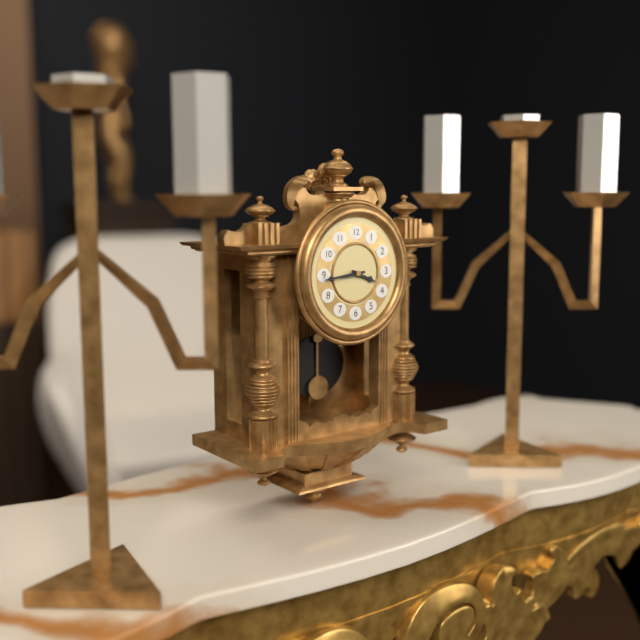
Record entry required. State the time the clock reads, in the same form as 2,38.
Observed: 3,44
